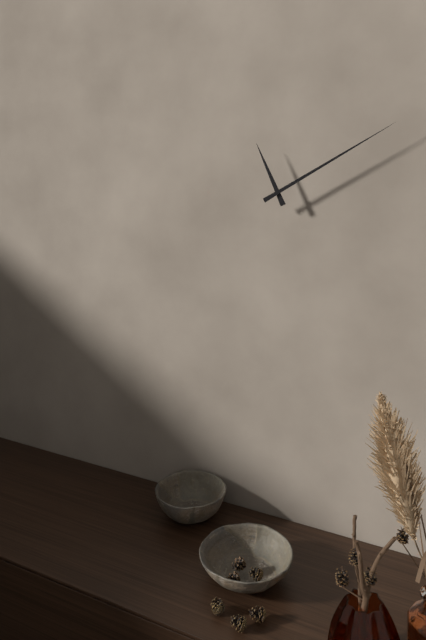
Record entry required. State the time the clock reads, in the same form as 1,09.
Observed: 11,10
